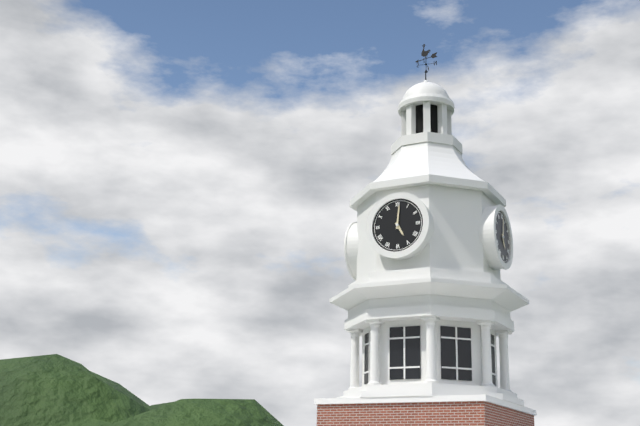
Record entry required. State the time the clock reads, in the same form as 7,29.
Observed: 5,01
